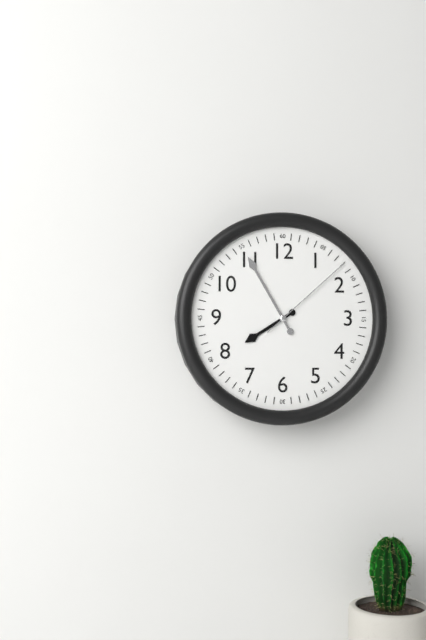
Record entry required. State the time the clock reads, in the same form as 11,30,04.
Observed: 7,55,08
